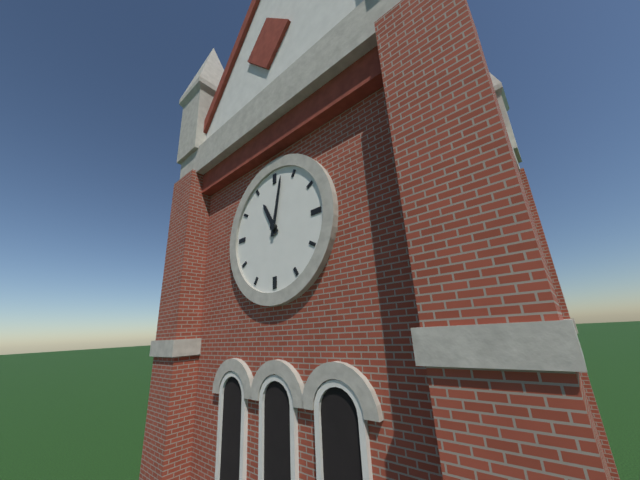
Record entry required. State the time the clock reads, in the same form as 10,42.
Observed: 11,02
